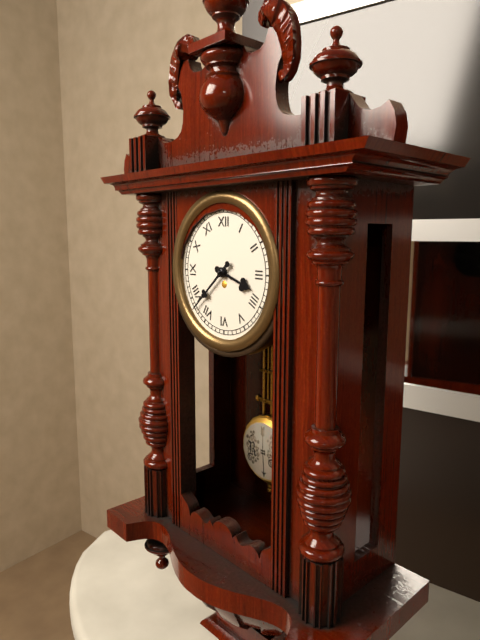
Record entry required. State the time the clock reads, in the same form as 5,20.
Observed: 3,38
